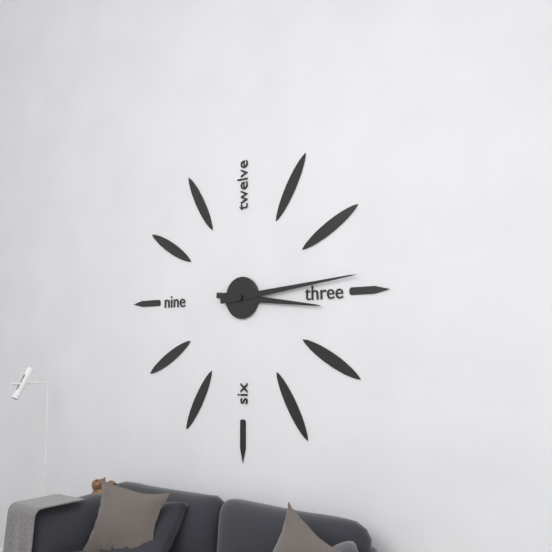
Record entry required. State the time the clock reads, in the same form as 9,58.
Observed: 3,14
